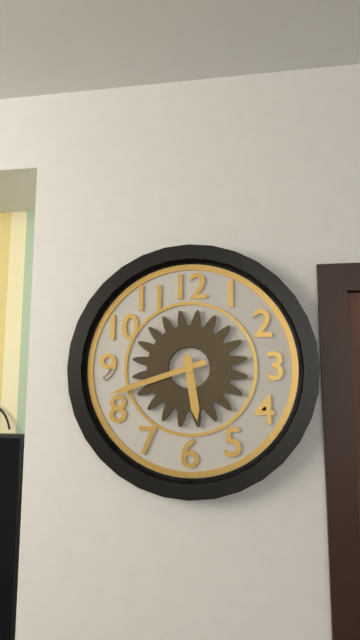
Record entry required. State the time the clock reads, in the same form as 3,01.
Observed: 5,42
